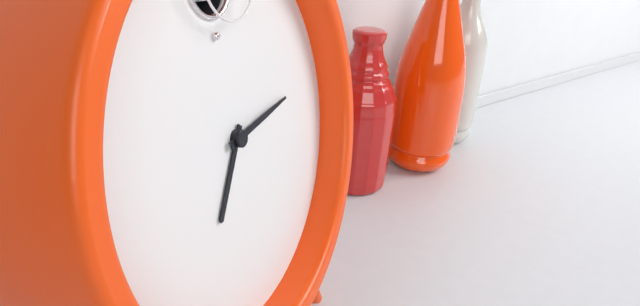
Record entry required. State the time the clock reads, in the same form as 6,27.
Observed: 7,14
